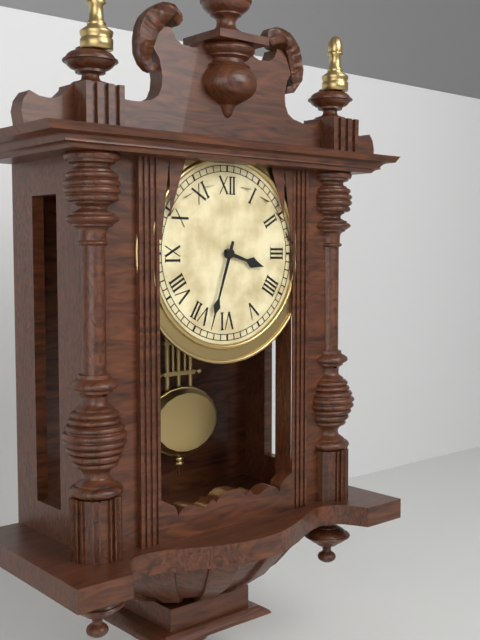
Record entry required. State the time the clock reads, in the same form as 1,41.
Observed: 3,33
